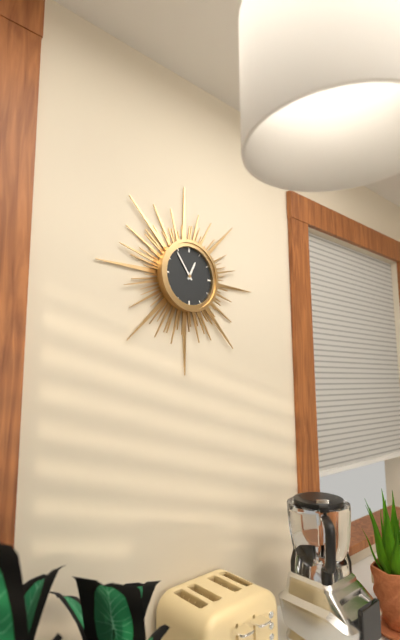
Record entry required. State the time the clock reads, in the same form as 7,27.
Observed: 12,54
